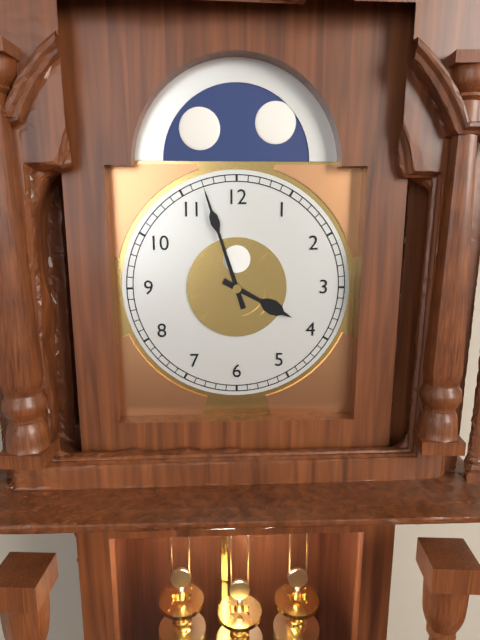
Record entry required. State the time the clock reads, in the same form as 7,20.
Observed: 3,57
